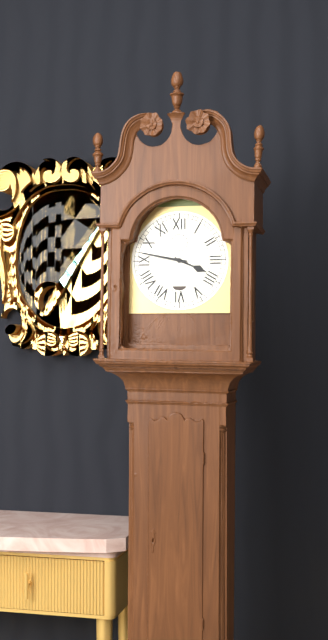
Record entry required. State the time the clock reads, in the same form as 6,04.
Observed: 3,47
